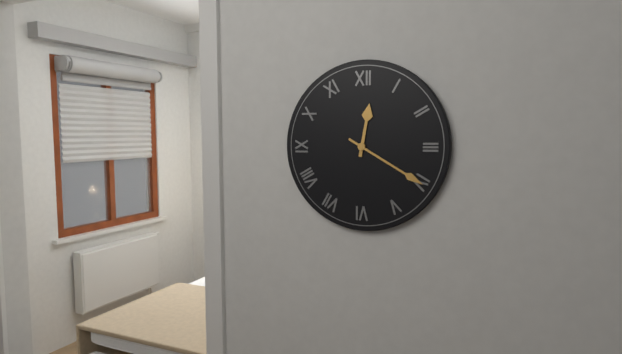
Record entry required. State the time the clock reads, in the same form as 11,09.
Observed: 12,20
